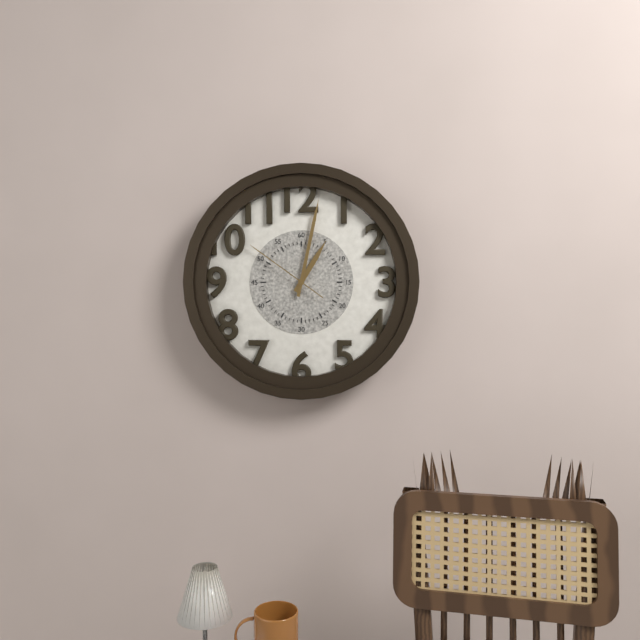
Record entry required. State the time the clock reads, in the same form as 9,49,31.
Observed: 1,02,51
